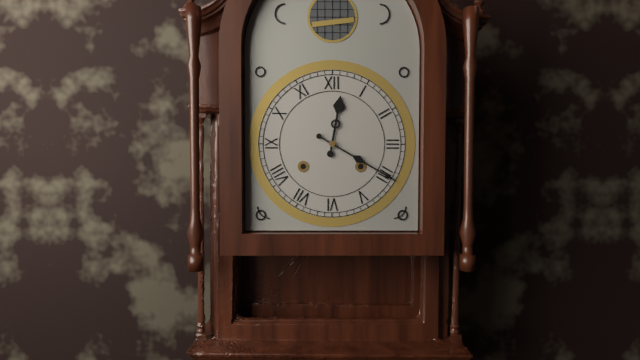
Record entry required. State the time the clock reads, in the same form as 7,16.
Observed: 12,20
